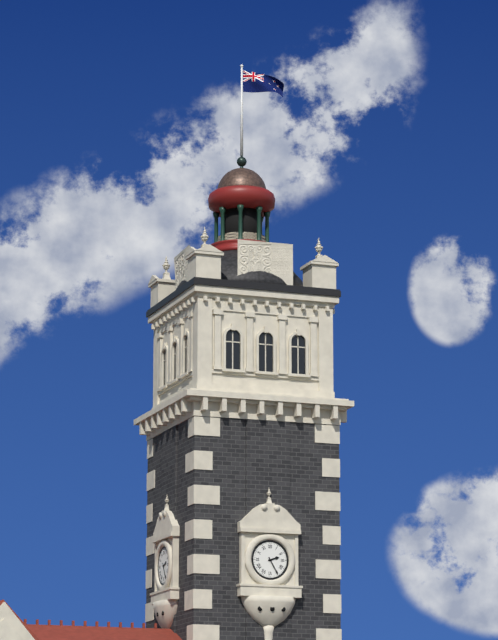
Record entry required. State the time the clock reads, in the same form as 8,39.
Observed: 2,25
